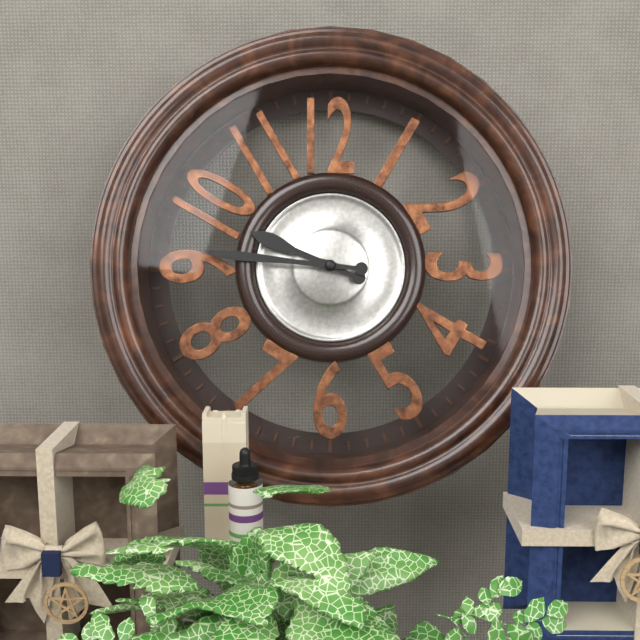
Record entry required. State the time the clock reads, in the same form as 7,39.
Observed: 9,46
